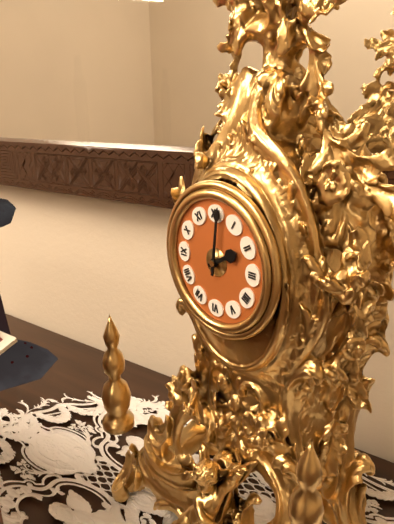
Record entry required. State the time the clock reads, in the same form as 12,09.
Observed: 2,01
